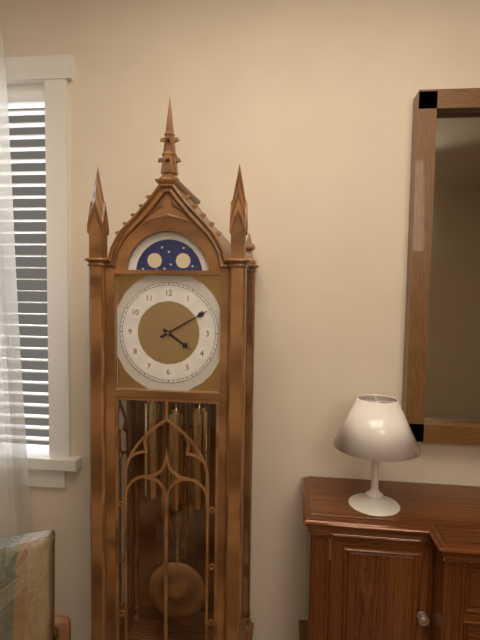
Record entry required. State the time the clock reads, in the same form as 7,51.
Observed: 4,10
